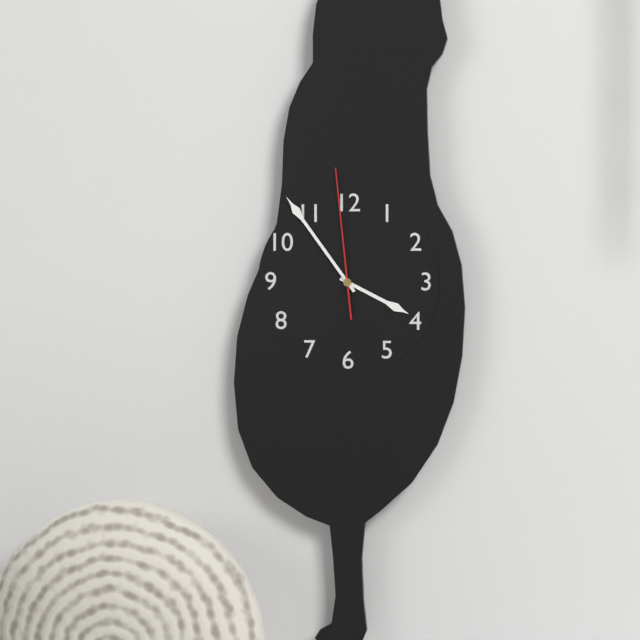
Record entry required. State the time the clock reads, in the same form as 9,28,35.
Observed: 3,54,59
